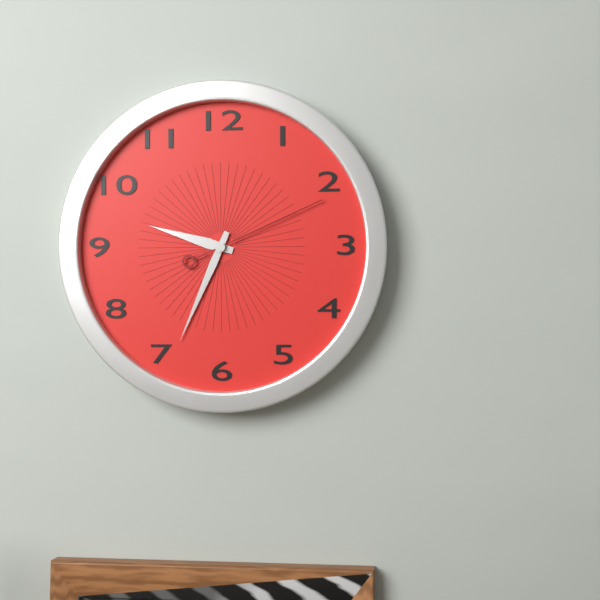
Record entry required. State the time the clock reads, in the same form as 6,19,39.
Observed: 9,34,11
